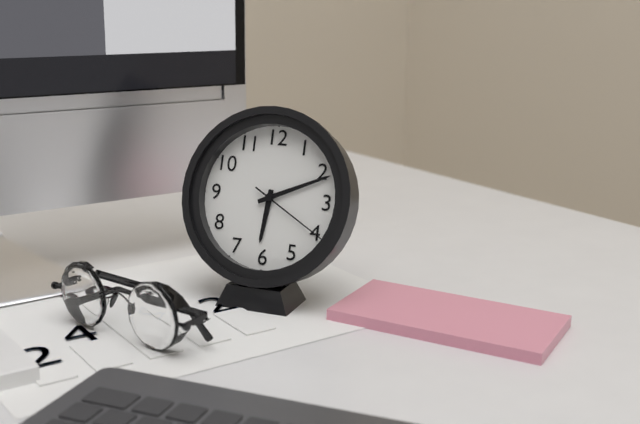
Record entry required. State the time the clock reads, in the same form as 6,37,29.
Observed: 6,11,20
